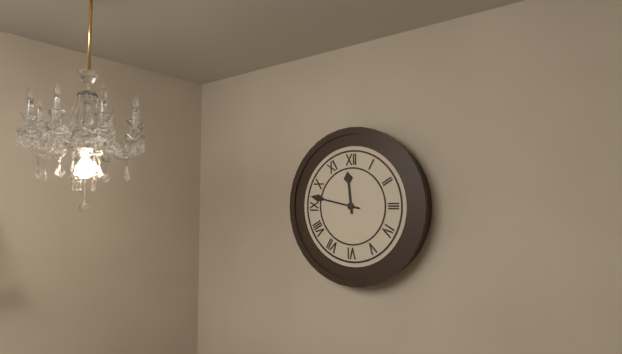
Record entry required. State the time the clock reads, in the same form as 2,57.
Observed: 11,47
